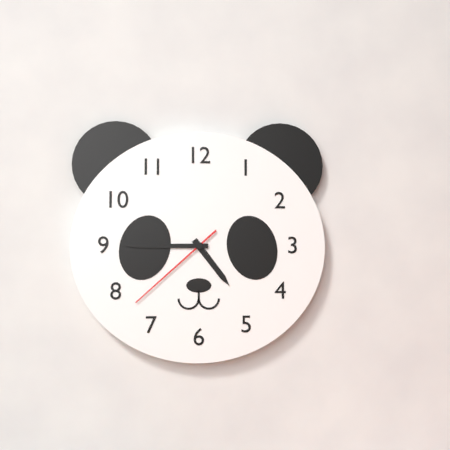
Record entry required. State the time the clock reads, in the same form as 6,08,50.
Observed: 4,45,38
